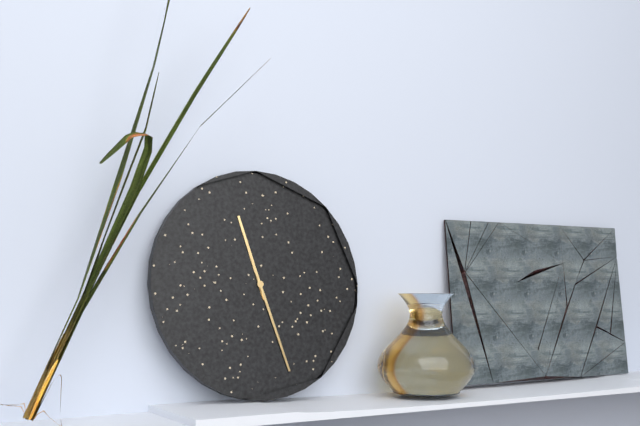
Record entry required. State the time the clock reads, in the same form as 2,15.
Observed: 11,27
